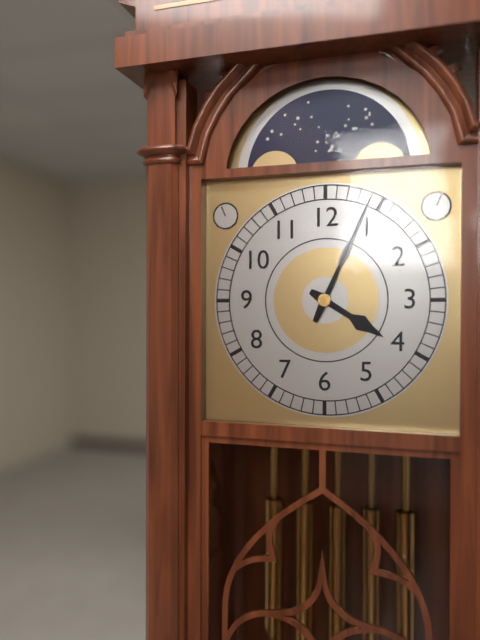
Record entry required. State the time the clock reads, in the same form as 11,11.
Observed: 4,04
